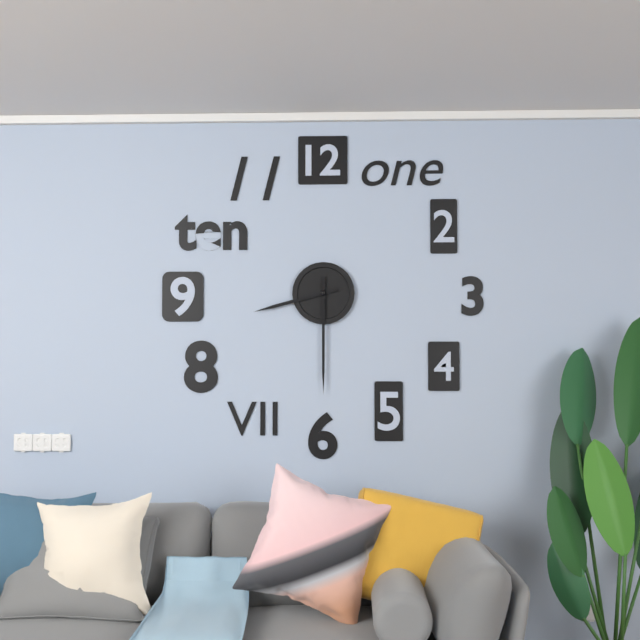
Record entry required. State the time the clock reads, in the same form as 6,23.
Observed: 8,30
